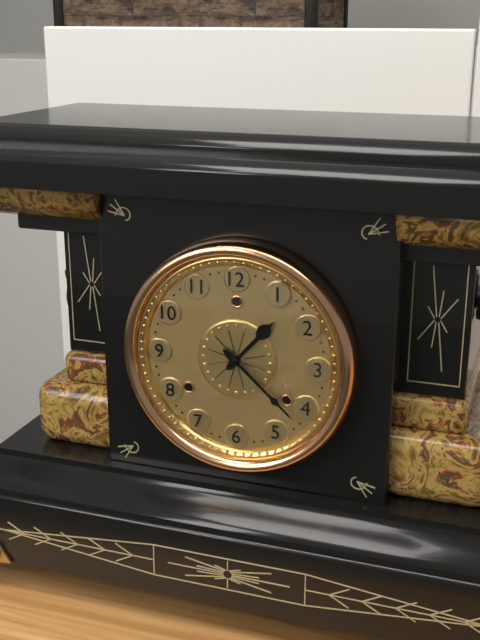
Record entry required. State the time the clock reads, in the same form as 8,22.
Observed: 1,22
